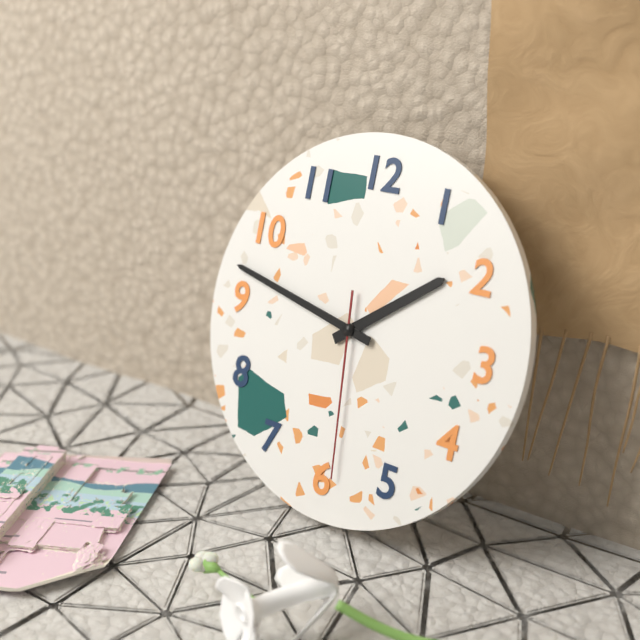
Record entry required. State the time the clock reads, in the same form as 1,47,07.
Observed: 1,47,29
